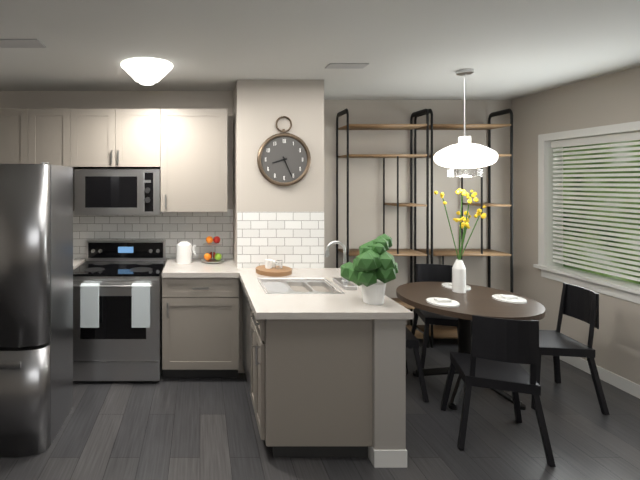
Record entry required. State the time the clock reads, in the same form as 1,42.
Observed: 8,26
